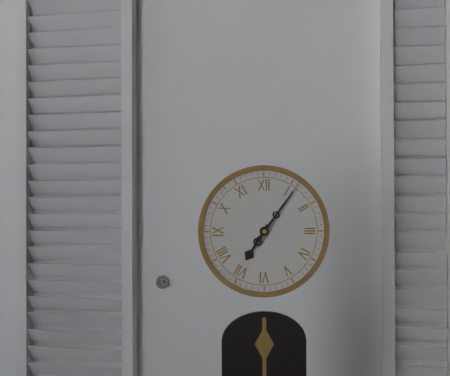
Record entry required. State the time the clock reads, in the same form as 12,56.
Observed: 7,06
